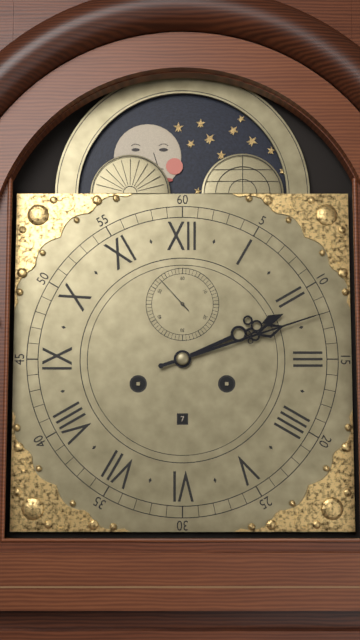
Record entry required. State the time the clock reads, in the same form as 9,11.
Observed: 2,12
